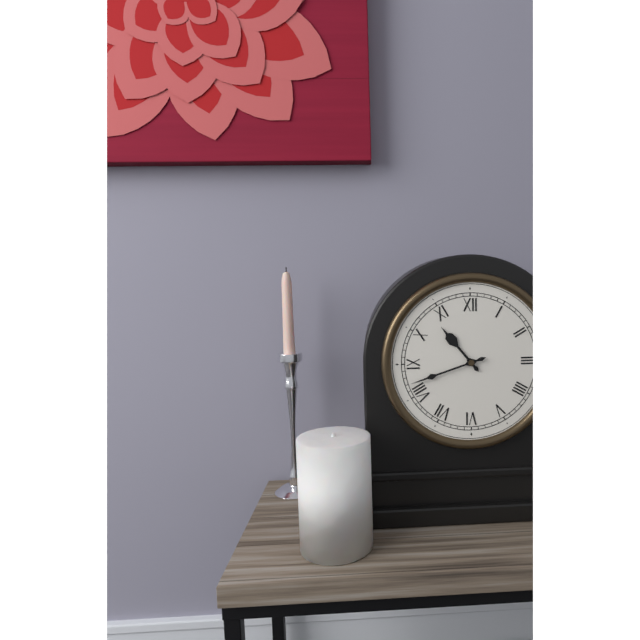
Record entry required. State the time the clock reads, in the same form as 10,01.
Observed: 10,42
